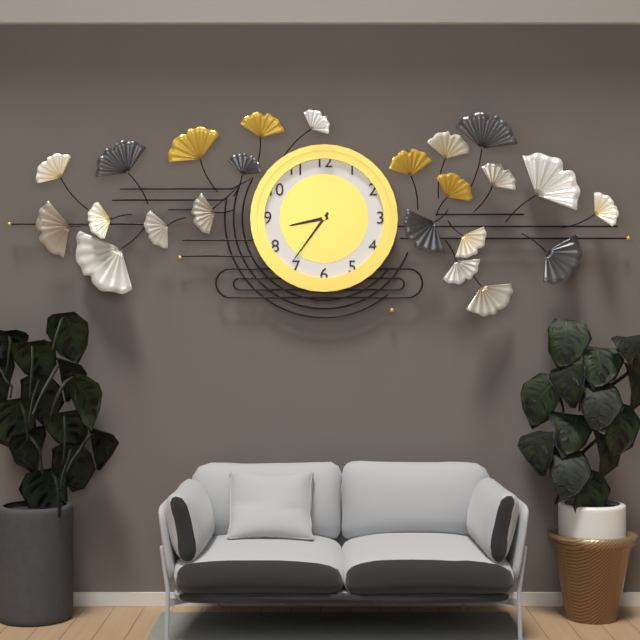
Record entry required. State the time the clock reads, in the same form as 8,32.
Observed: 8,36
